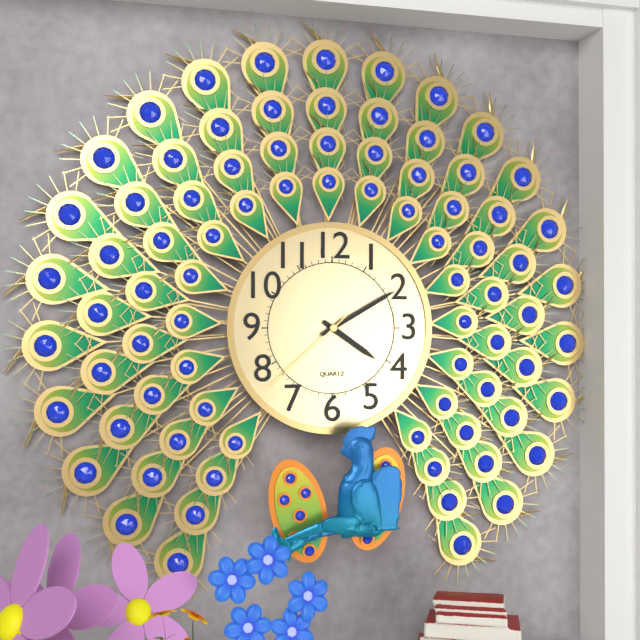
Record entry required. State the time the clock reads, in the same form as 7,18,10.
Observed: 4,10,38
